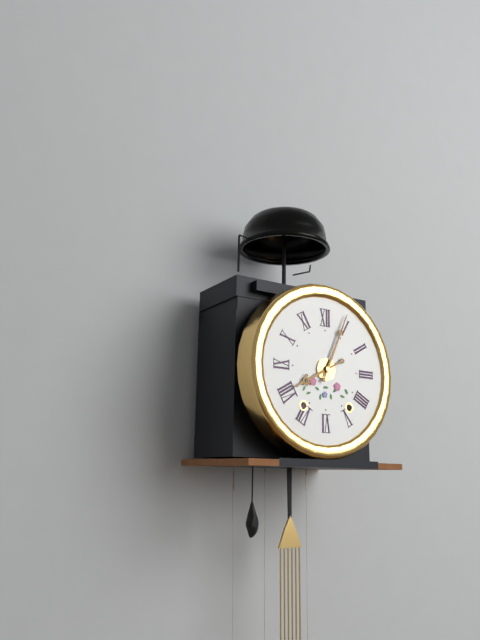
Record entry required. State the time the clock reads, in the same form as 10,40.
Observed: 8,04
